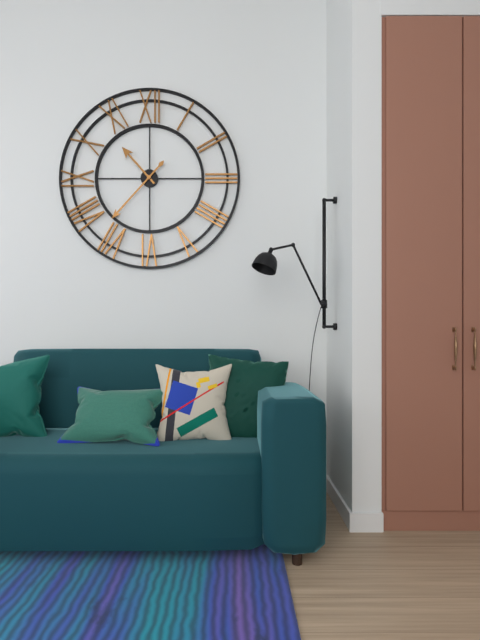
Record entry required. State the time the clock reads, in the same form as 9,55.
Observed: 10,37
